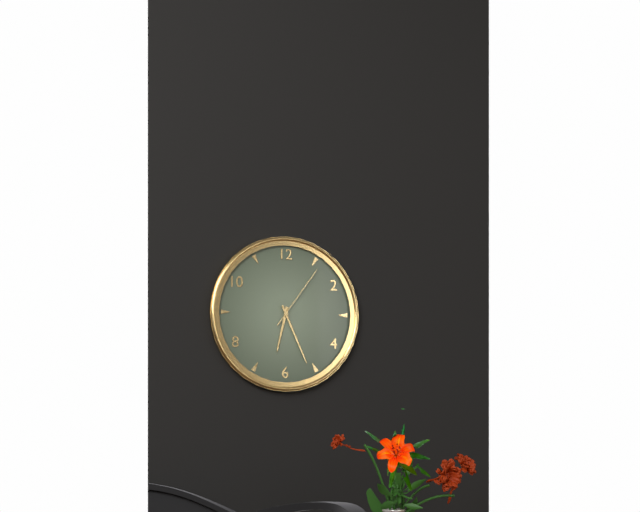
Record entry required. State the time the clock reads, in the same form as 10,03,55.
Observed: 6,26,06
